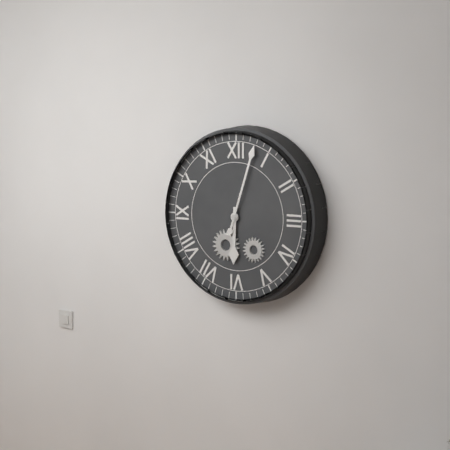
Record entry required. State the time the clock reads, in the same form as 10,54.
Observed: 6,03
